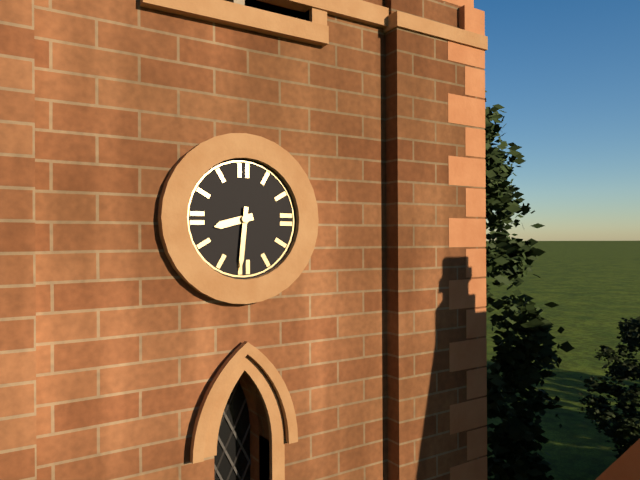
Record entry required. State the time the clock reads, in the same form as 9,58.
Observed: 8,31
